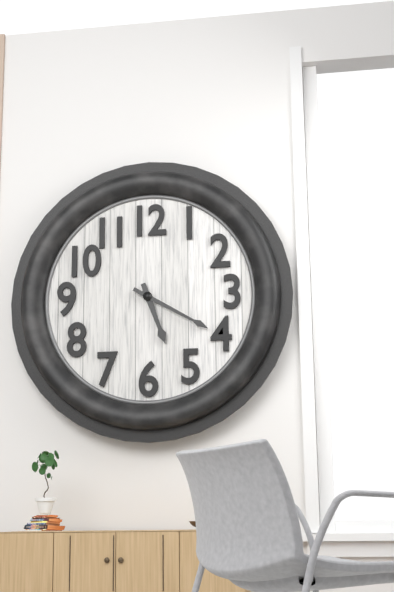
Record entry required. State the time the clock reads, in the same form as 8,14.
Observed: 5,20
